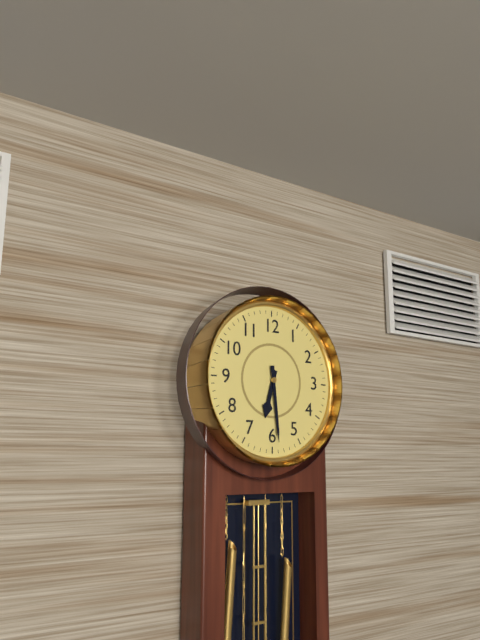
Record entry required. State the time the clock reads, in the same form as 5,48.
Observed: 6,29
